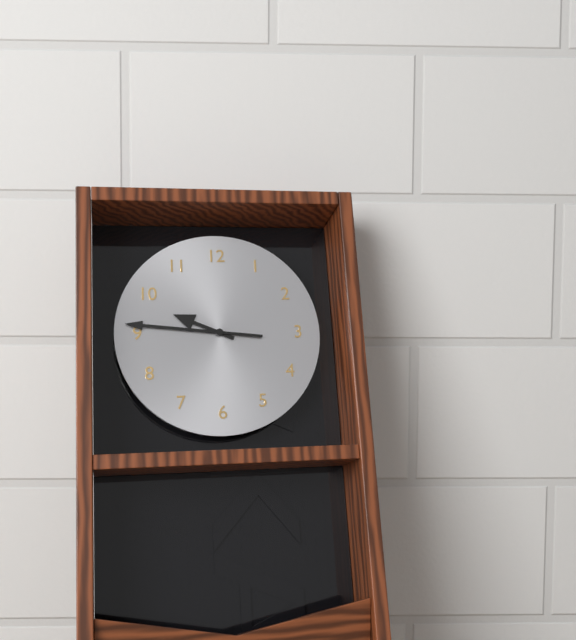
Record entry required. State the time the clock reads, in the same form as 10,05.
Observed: 9,46
